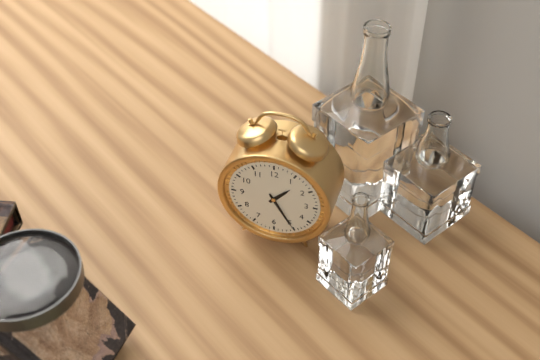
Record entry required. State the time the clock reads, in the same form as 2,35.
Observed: 1,25
